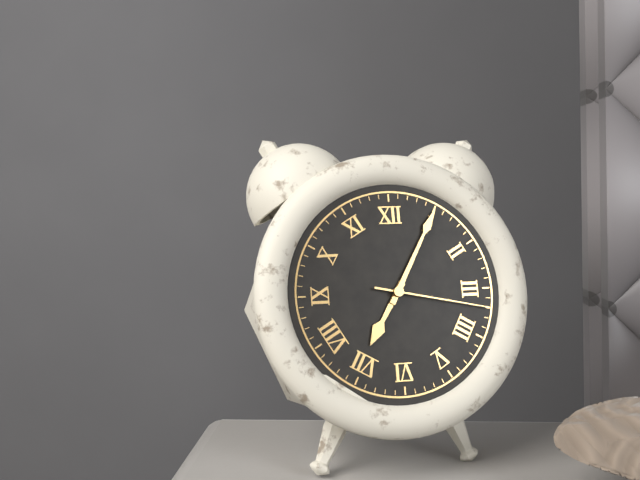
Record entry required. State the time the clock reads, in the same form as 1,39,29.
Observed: 7,05,17
